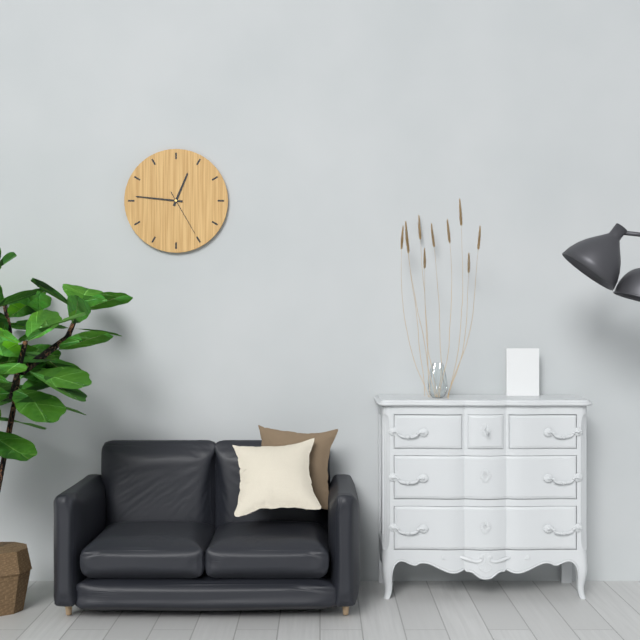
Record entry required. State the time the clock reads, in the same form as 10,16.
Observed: 12,46
